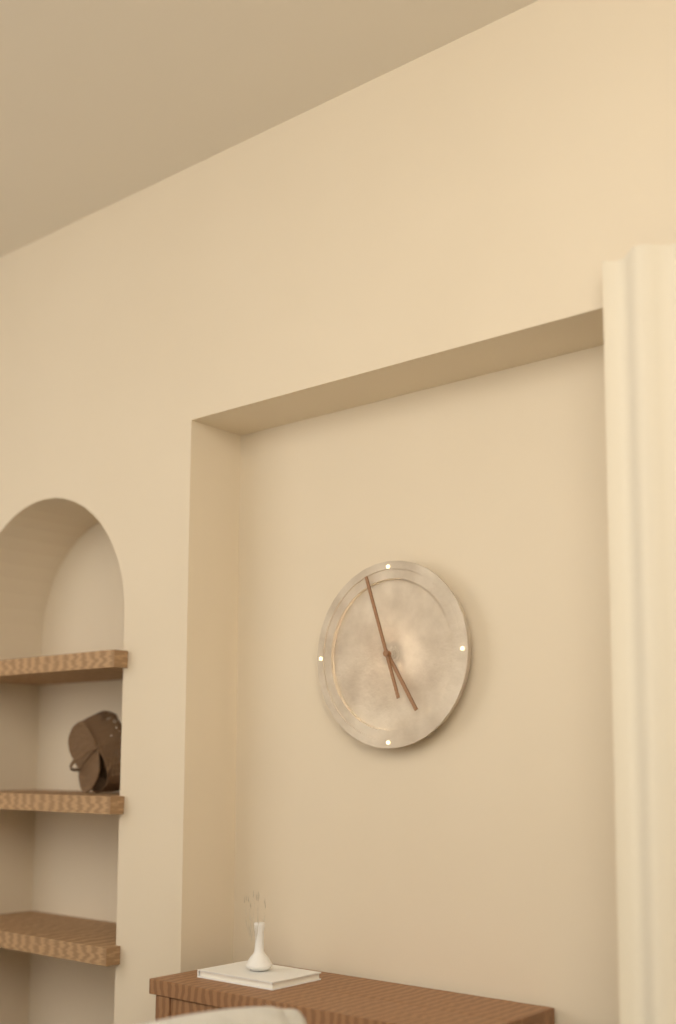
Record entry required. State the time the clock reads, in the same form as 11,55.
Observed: 4,57
